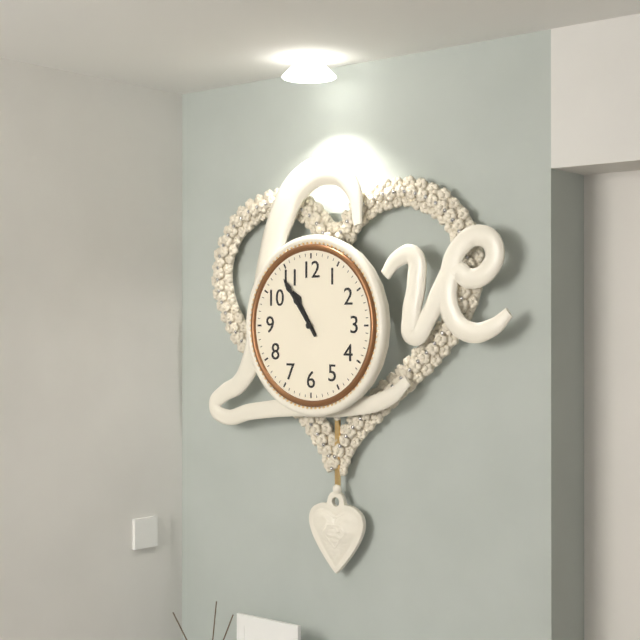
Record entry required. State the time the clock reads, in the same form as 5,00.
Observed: 10,54
